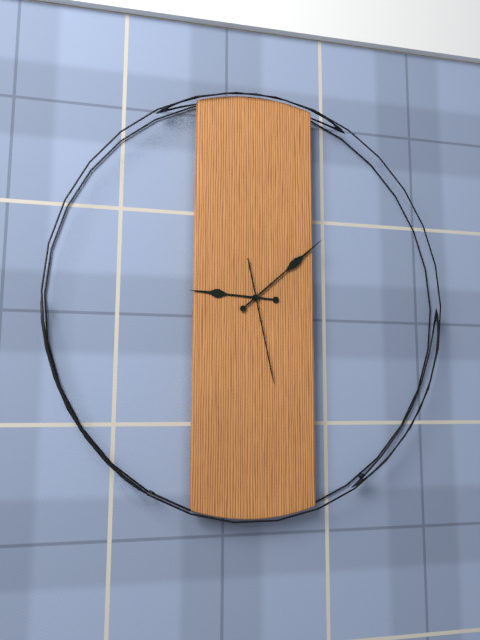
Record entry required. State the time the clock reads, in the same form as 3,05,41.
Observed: 9,08,28
